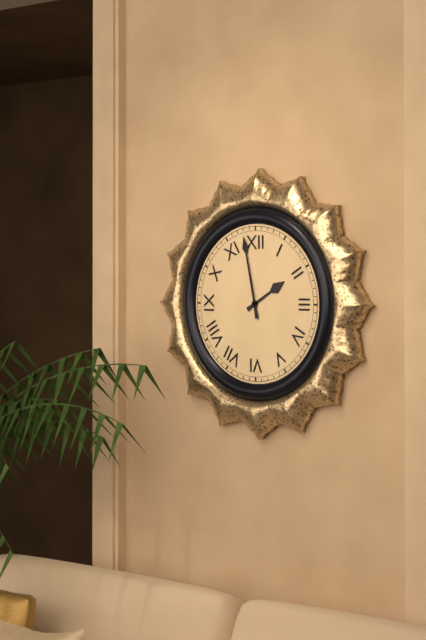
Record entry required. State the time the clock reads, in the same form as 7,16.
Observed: 1,58
